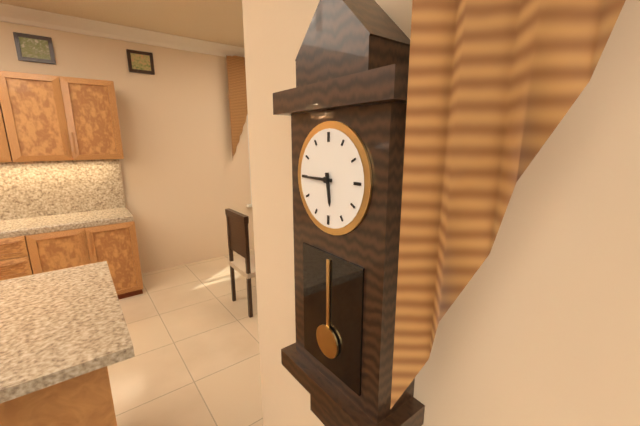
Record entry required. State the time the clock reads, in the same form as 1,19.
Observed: 5,45
